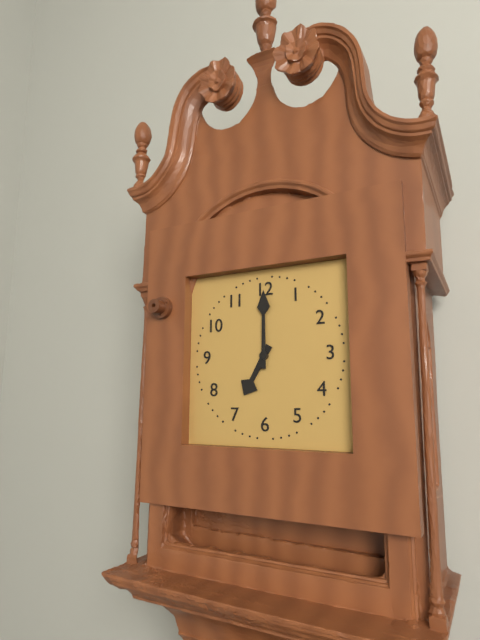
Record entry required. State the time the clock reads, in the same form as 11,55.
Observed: 7,00
